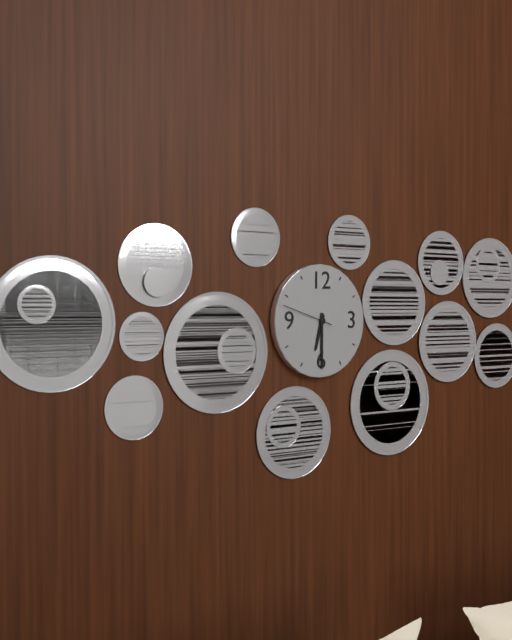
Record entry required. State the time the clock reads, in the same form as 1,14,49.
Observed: 6,30,48
